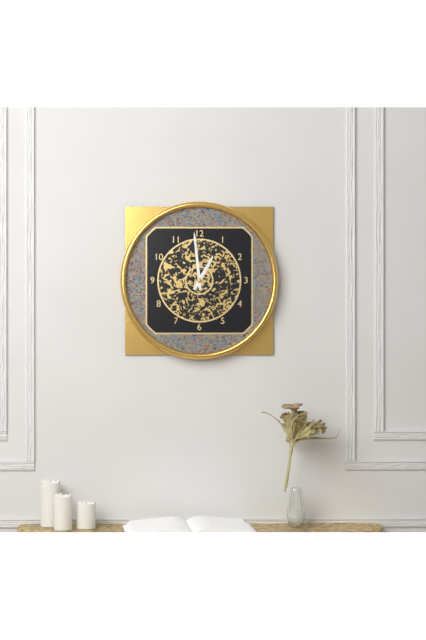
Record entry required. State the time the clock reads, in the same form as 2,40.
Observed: 12,59
